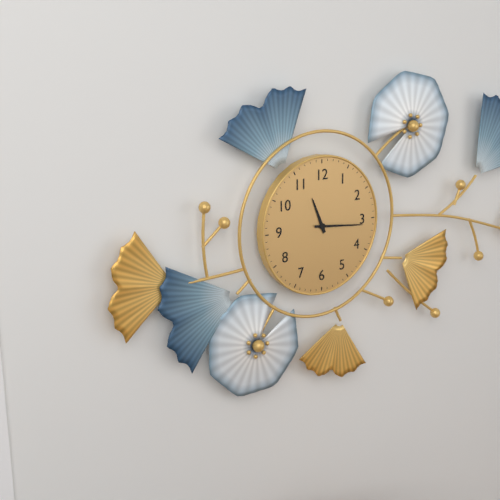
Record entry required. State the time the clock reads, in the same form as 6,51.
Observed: 11,16
